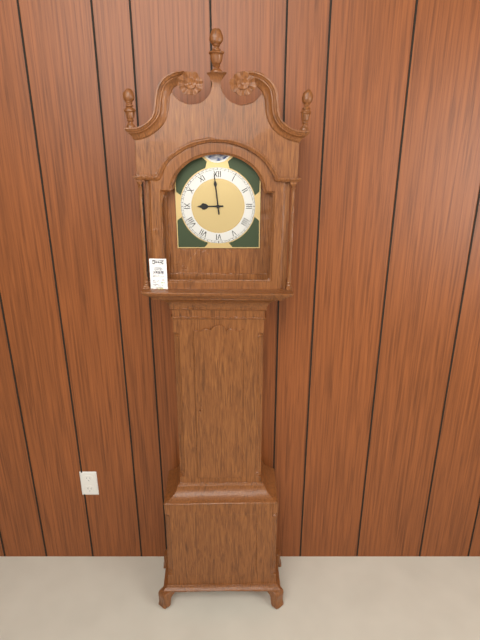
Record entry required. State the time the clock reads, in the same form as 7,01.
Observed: 8,59
